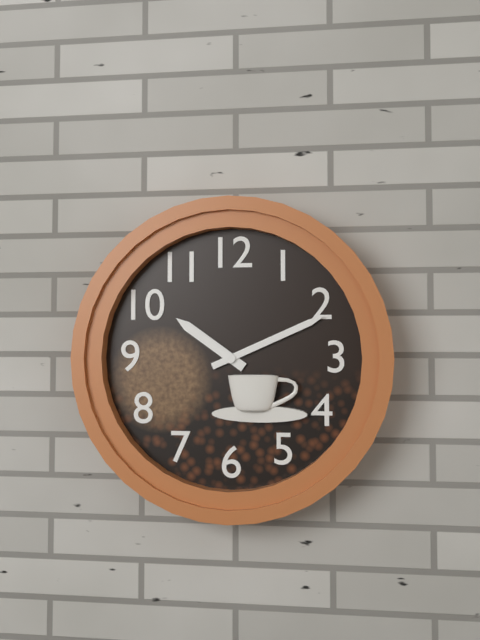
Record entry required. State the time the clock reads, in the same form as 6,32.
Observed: 10,11
